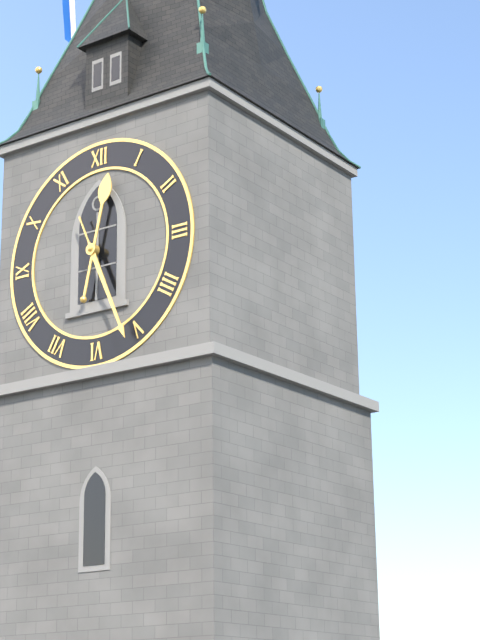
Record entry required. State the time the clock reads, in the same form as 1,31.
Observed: 12,26
